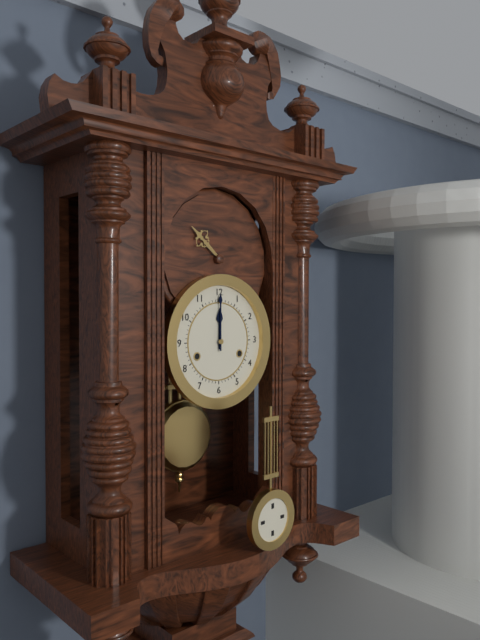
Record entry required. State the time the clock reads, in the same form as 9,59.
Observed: 12,00
